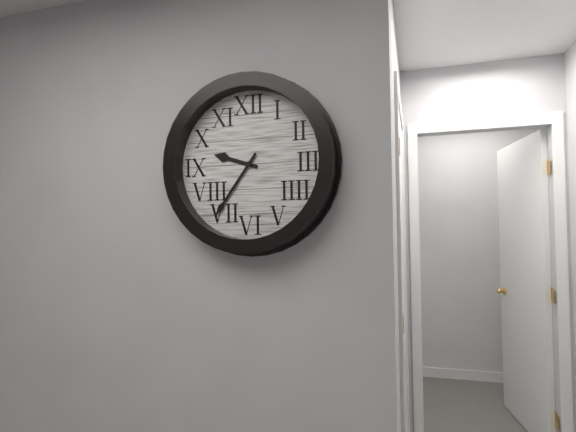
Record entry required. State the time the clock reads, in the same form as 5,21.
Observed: 9,36
